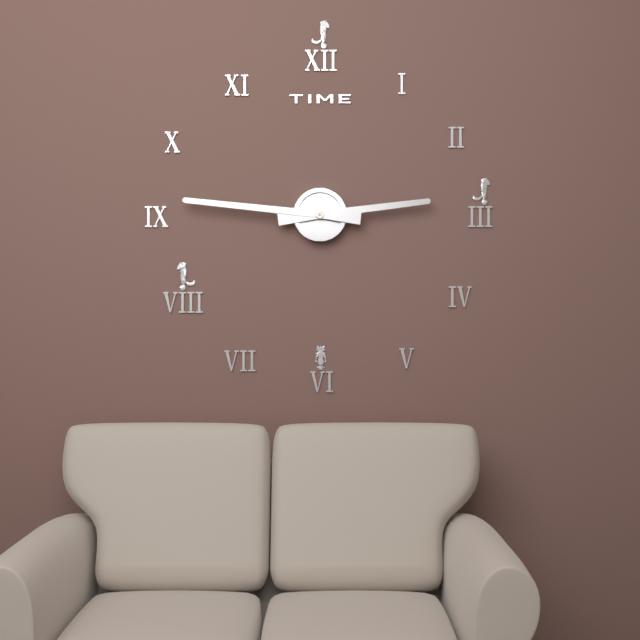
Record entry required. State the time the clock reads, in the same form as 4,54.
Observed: 2,46
